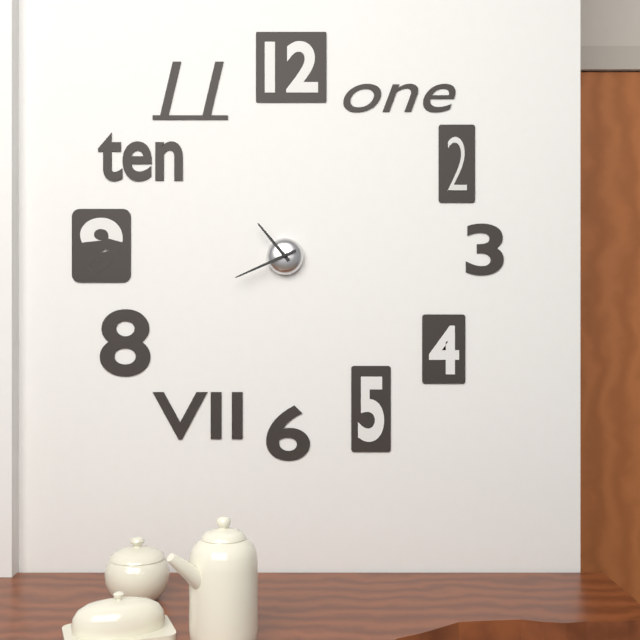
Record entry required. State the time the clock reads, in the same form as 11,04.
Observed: 10,41
